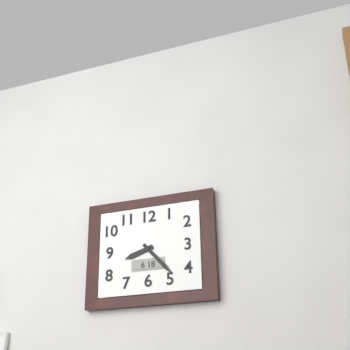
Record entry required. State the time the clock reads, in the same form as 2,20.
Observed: 8,23
